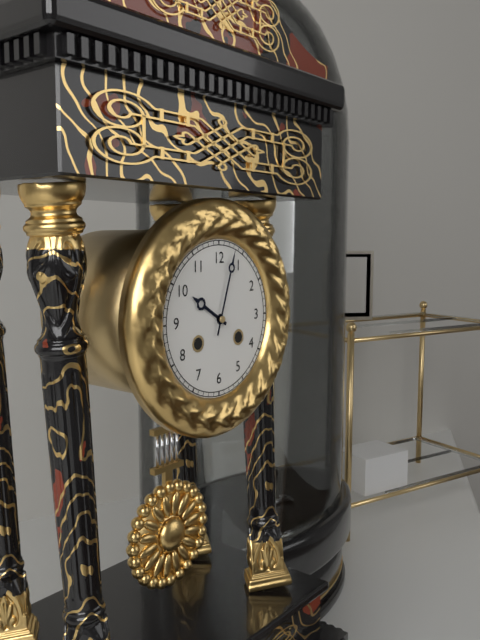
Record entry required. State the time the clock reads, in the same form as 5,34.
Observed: 10,03
